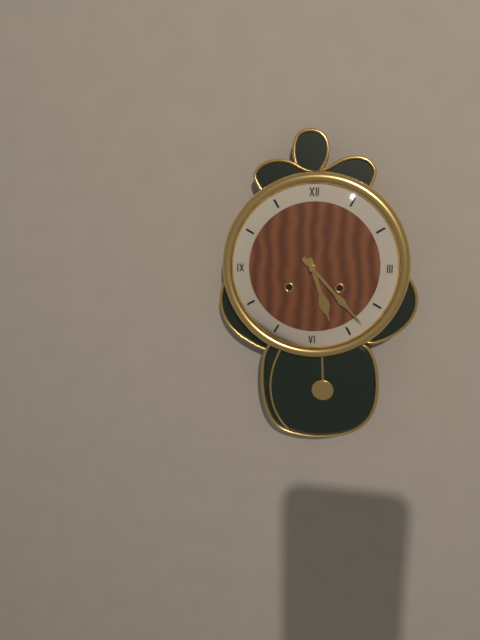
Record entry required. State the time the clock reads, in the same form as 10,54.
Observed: 5,23
